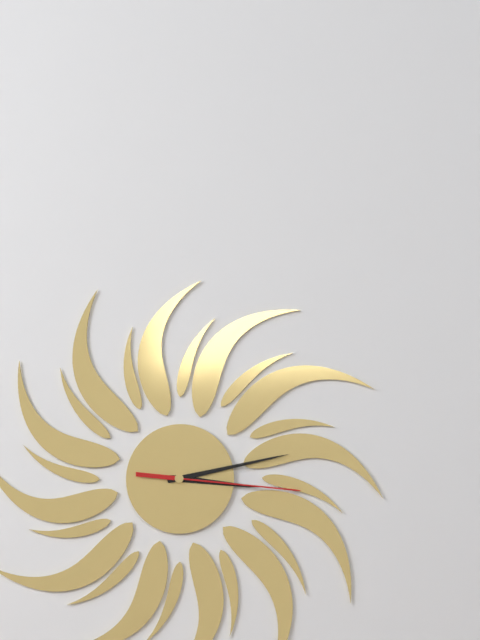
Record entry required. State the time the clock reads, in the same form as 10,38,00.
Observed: 3,13,16
